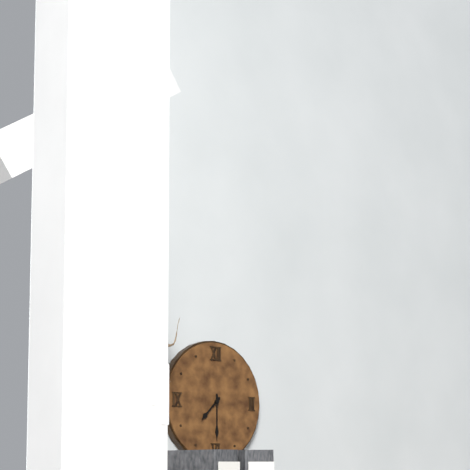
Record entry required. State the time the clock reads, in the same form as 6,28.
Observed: 7,30
